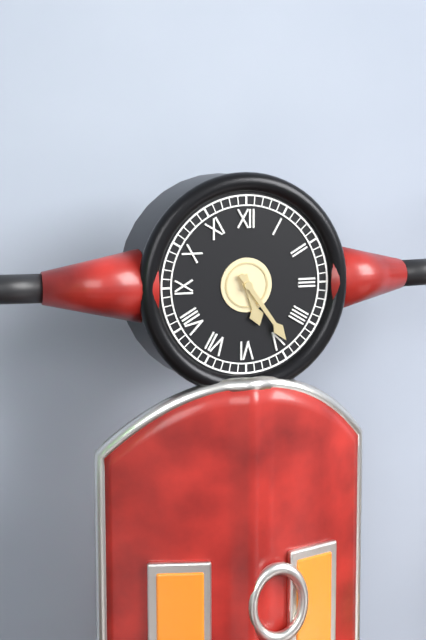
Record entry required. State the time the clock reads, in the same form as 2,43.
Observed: 5,24
